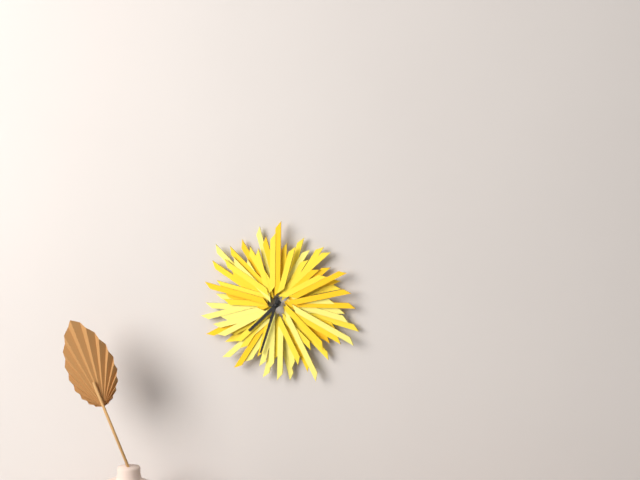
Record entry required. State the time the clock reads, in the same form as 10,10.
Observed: 7,33
